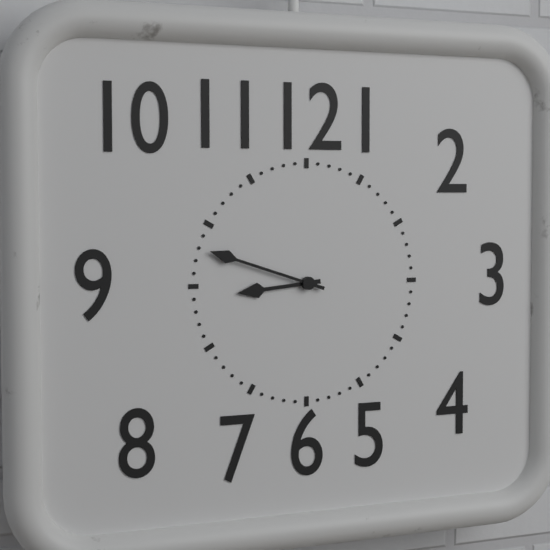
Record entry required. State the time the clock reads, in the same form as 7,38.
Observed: 8,48
